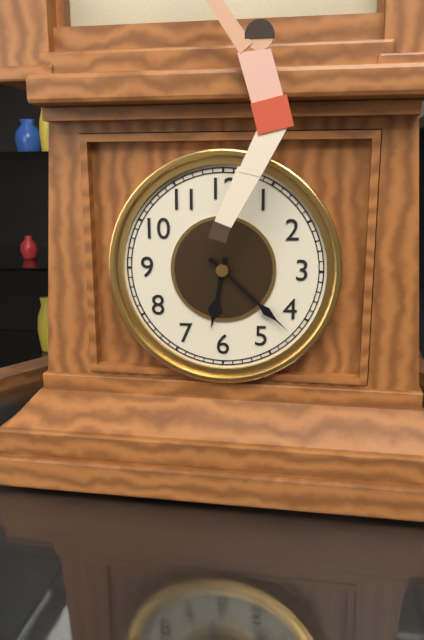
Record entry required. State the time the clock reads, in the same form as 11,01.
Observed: 6,22
